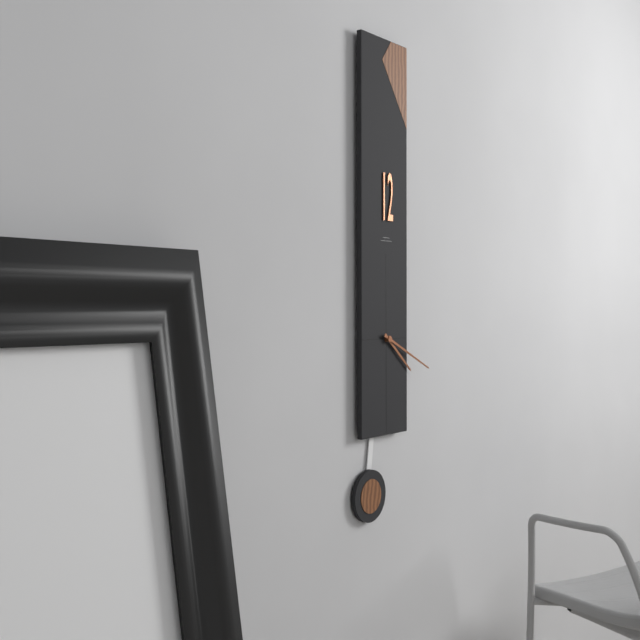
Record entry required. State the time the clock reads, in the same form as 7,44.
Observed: 4,19
